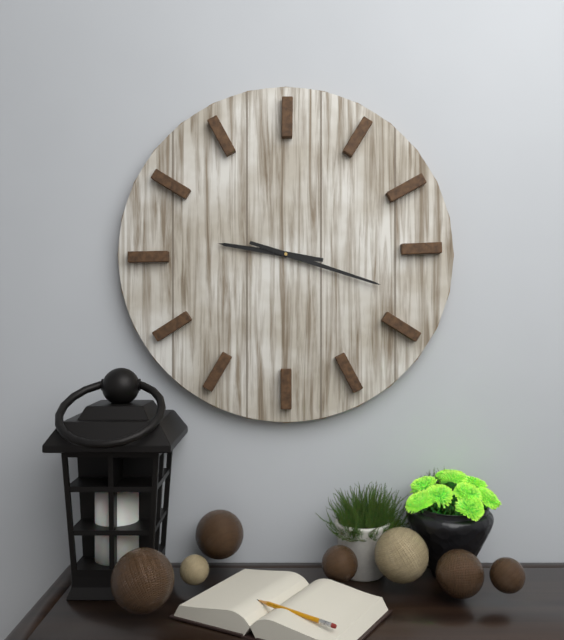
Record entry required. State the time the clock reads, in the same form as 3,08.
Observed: 9,18
